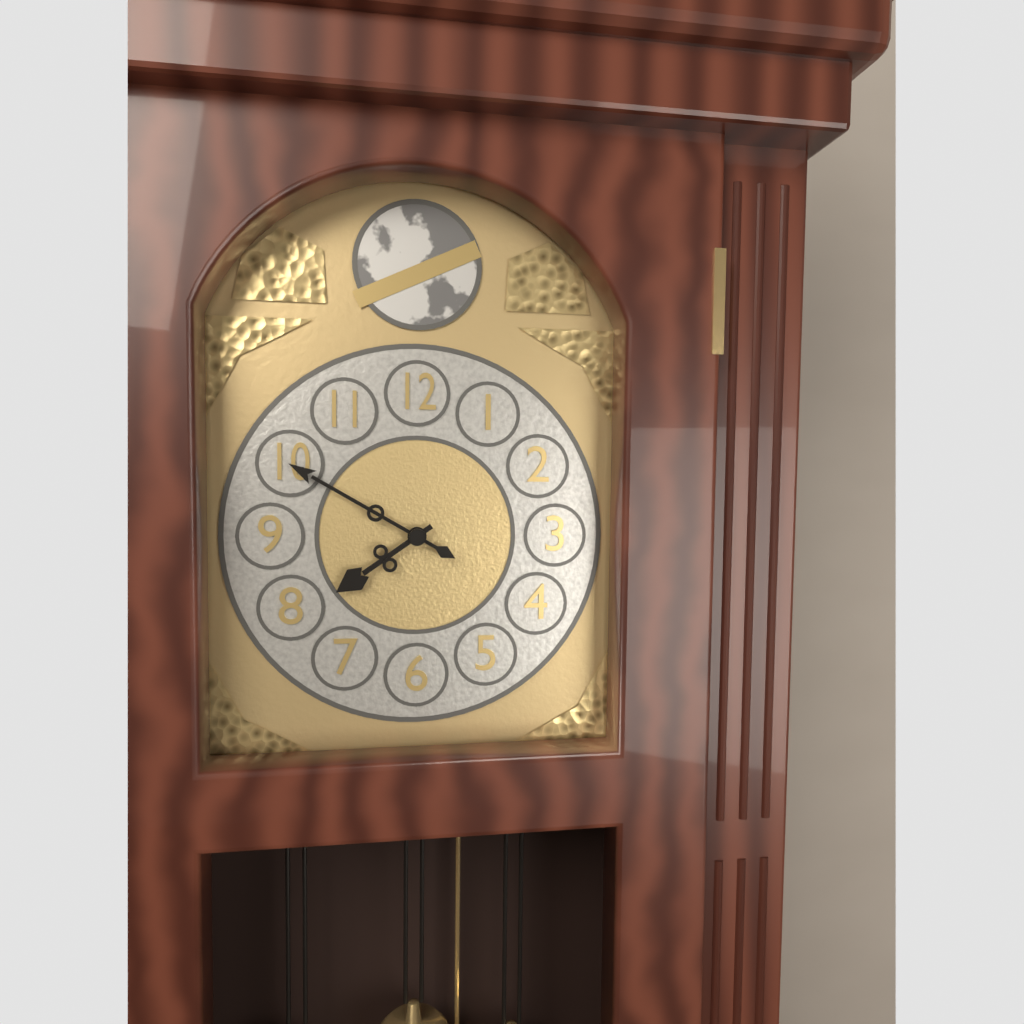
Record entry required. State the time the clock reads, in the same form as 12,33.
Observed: 7,50
